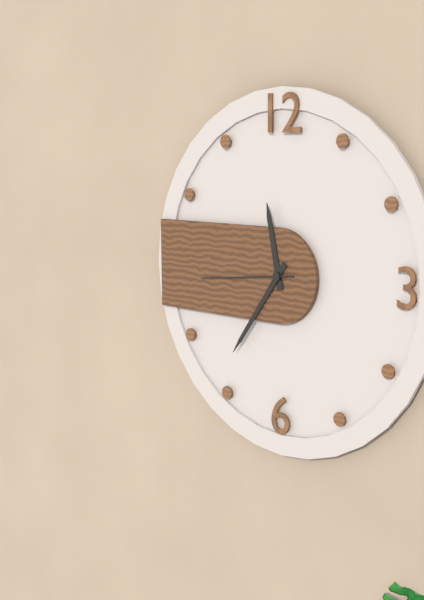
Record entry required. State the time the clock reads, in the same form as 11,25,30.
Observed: 11,36,44
